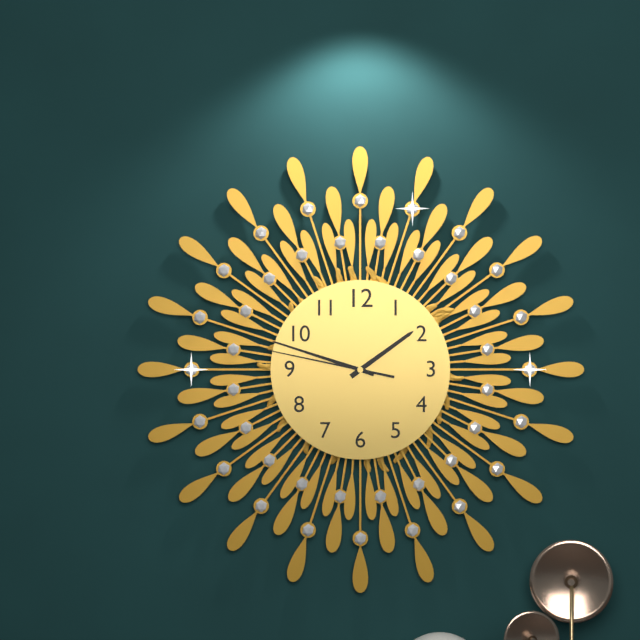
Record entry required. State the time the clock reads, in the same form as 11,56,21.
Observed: 1,48,47
